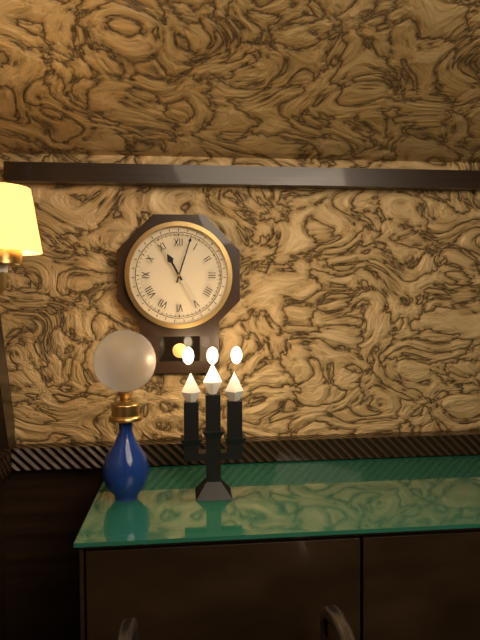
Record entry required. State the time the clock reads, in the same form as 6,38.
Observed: 11,03
